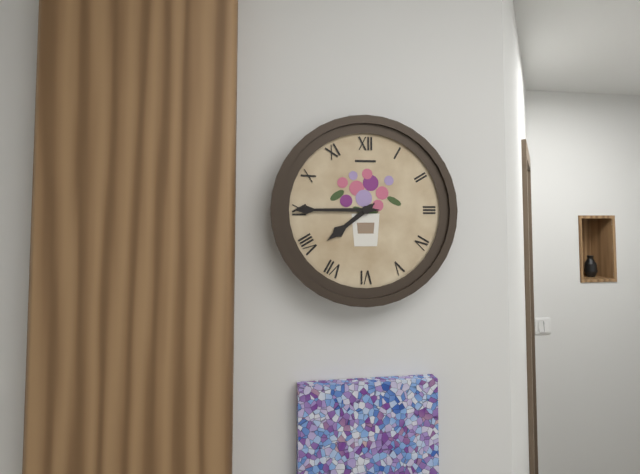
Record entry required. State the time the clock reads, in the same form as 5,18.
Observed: 7,45
